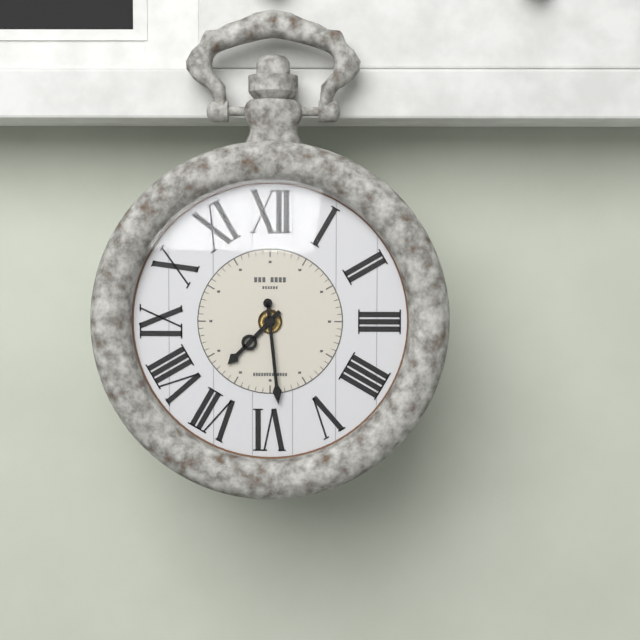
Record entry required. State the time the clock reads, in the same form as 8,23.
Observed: 7,29
